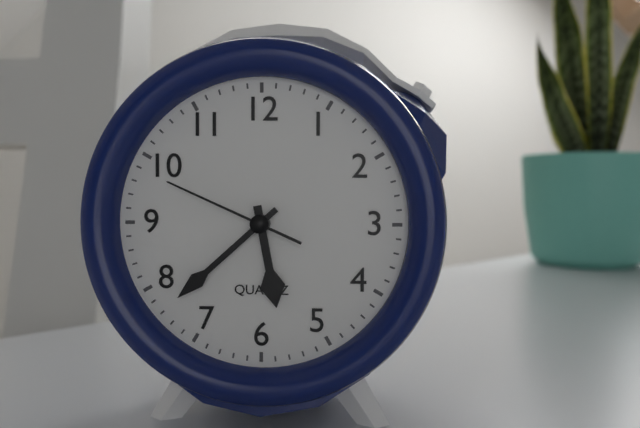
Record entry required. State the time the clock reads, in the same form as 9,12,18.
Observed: 5,38,49
